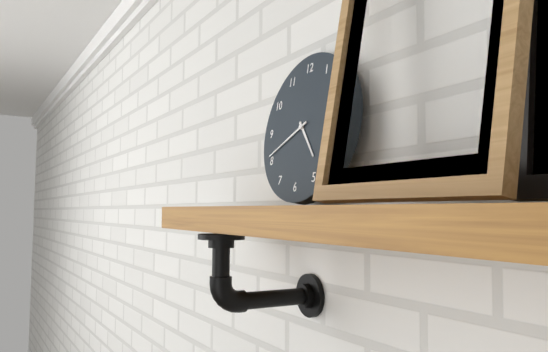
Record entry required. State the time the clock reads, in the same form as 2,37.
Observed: 4,41
